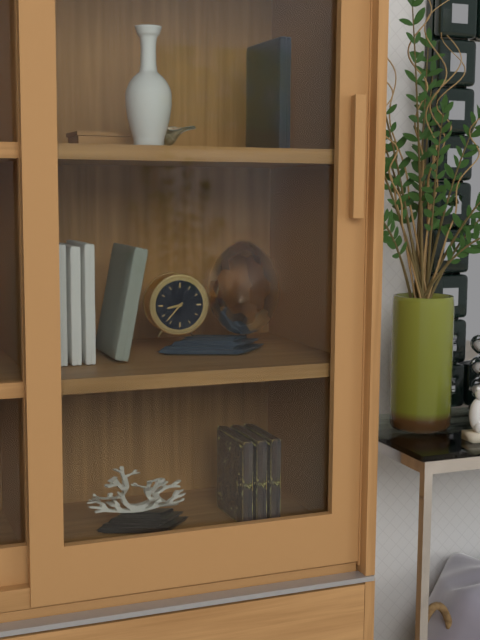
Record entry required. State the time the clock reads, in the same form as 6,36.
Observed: 8,37
